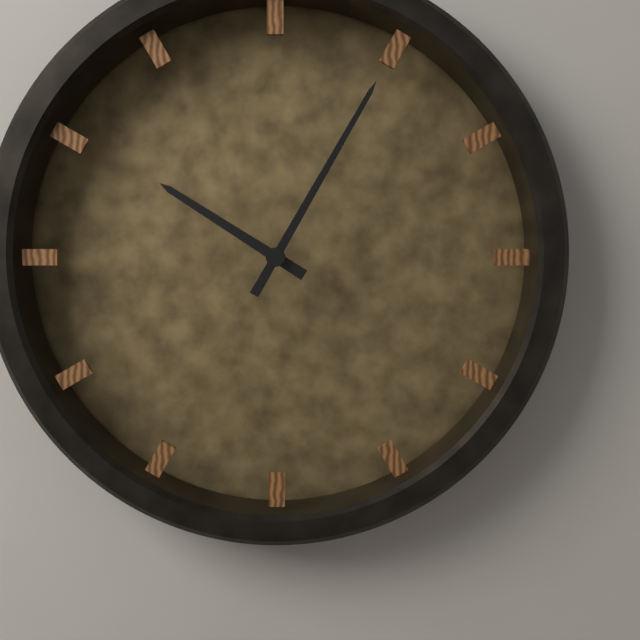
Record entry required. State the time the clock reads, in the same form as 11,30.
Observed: 10,05
